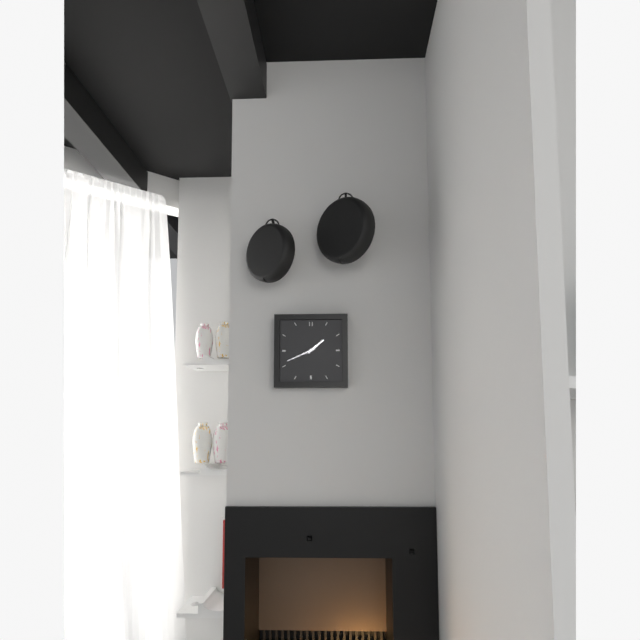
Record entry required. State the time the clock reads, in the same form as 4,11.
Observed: 1,41
